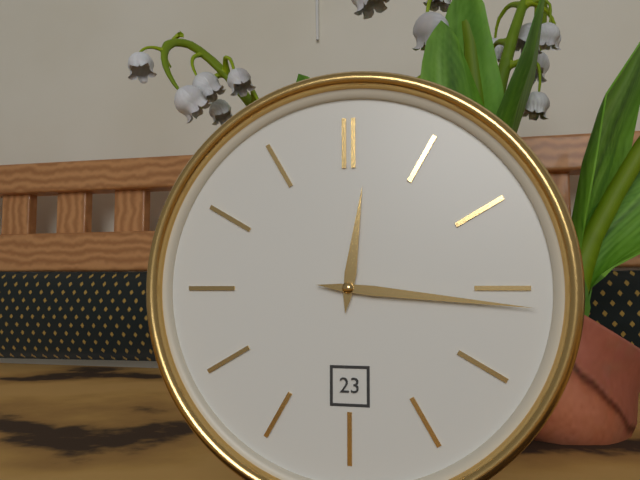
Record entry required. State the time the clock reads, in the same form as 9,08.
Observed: 12,16
